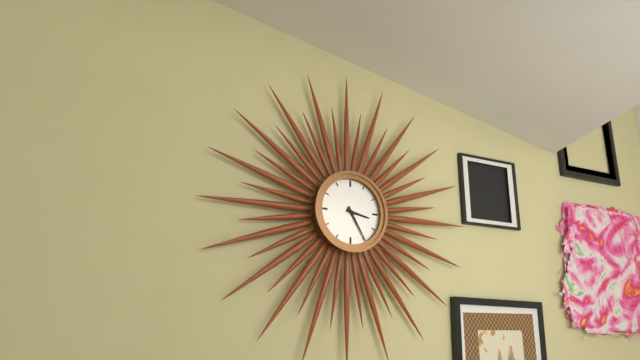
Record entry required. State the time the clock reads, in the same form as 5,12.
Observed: 3,25
